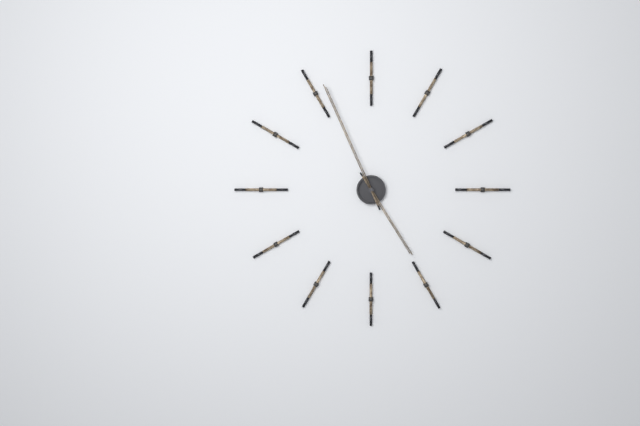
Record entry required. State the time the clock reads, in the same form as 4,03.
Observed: 4,56
